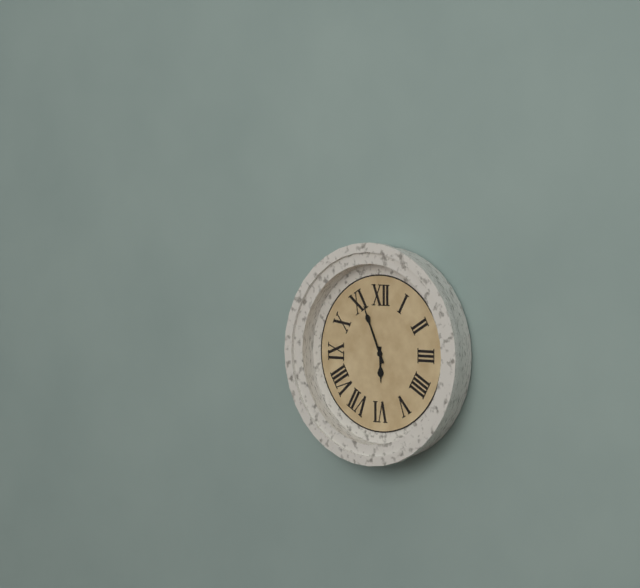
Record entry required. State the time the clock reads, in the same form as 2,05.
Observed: 5,56
